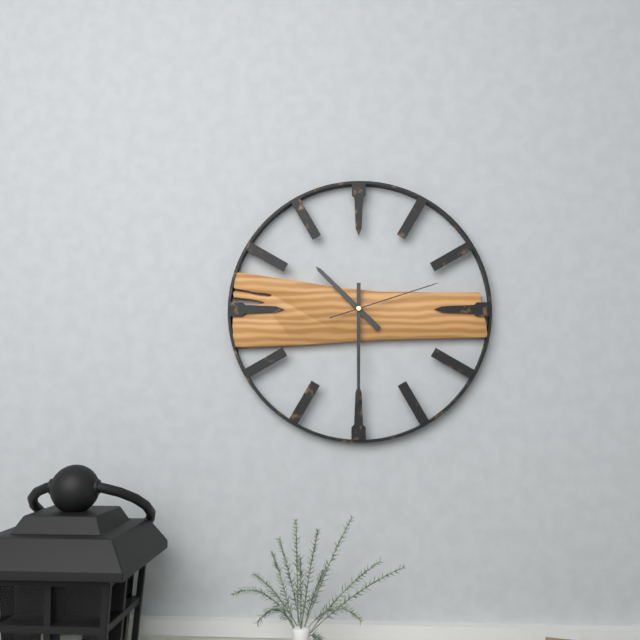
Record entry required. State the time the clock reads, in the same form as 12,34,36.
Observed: 10,30,12
